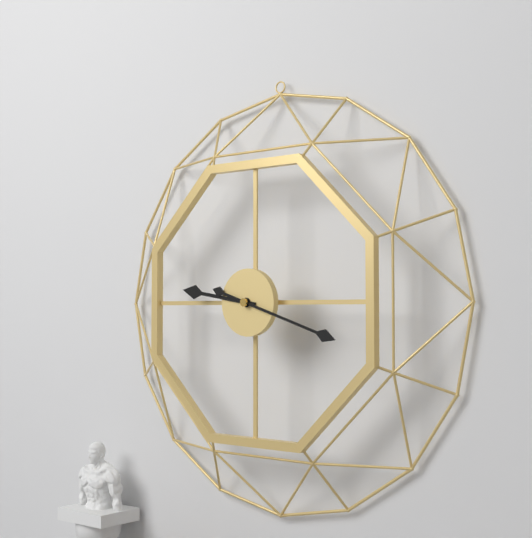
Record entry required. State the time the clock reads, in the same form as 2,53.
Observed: 9,18
